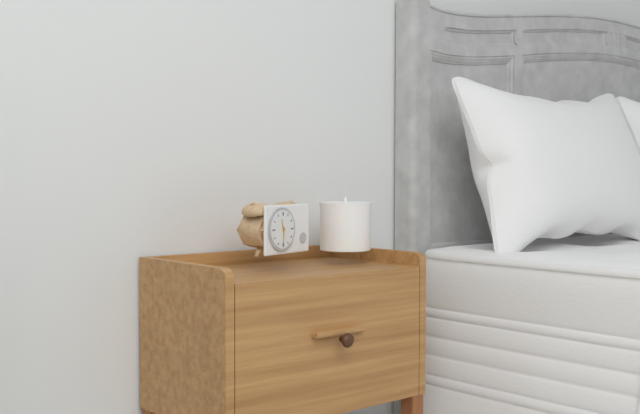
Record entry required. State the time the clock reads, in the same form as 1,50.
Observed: 11,30
